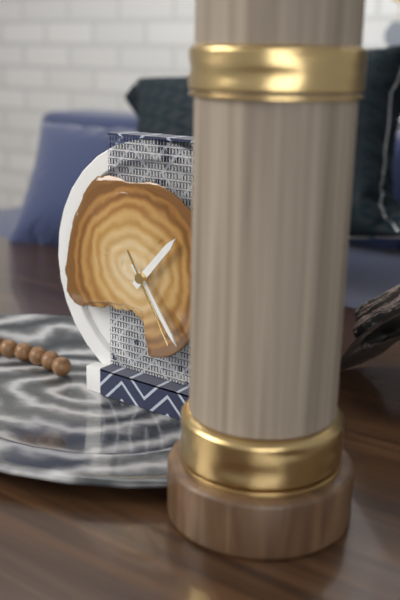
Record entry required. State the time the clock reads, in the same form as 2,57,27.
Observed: 1,24,25
